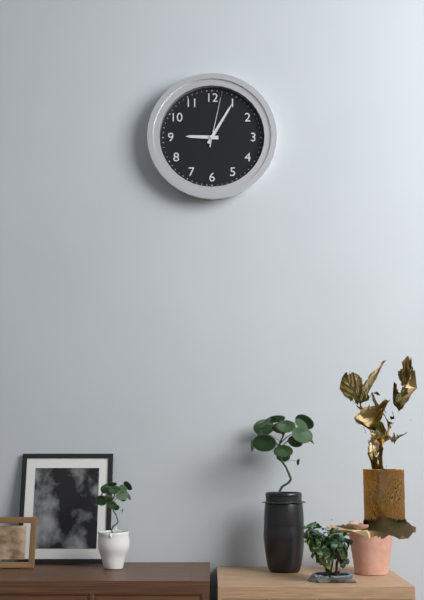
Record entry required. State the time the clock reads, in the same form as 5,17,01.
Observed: 9,05,02
